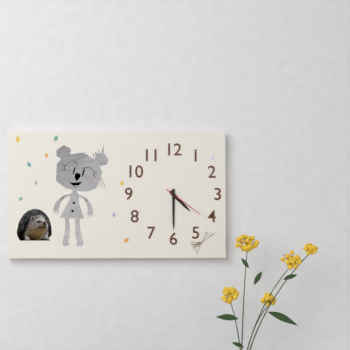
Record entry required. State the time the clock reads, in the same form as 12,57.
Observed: 4,30
